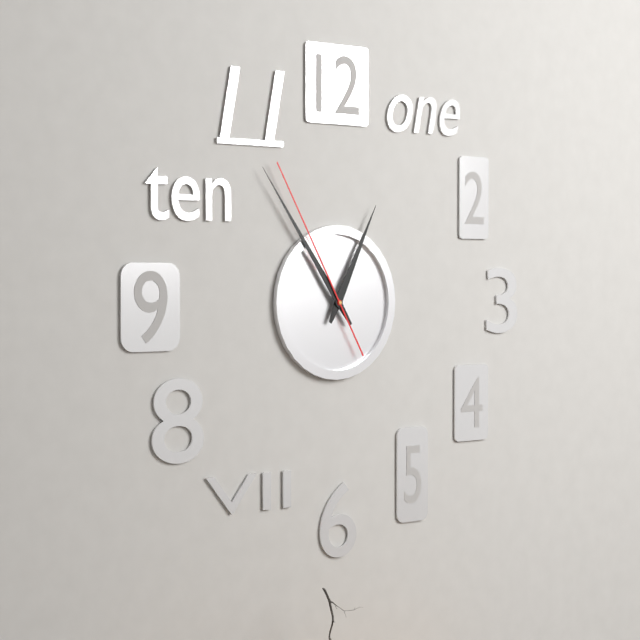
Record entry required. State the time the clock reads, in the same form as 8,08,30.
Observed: 12,54,55
